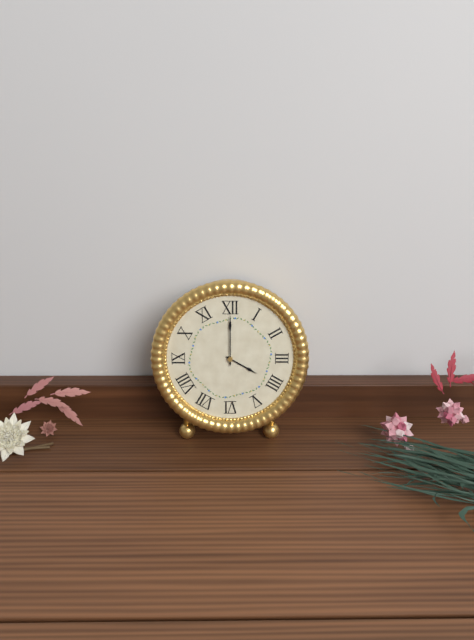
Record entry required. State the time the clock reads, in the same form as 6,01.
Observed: 4,00
